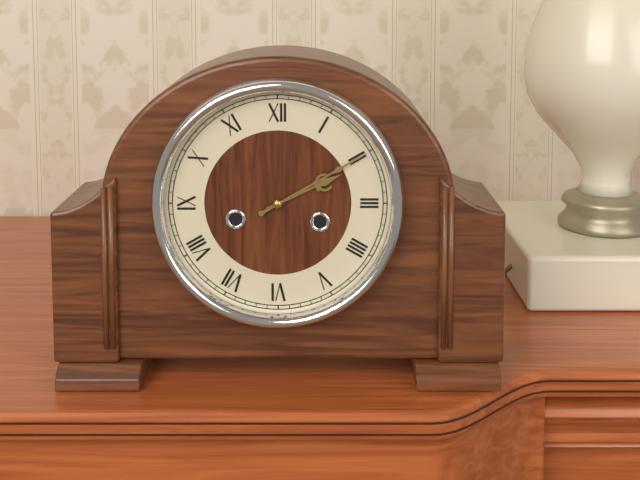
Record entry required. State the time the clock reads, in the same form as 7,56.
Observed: 2,10
